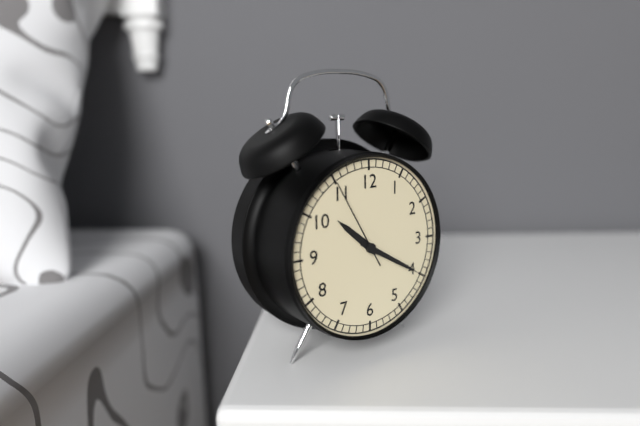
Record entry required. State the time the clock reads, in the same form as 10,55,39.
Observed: 10,20,55
